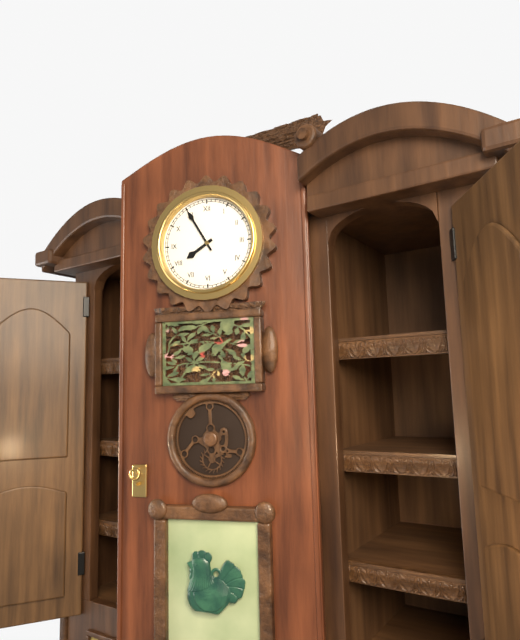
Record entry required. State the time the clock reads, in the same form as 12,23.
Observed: 7,55
